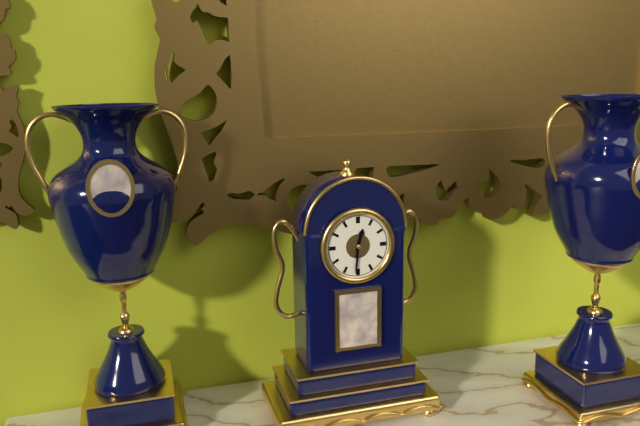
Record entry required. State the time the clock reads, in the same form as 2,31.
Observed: 12,31
